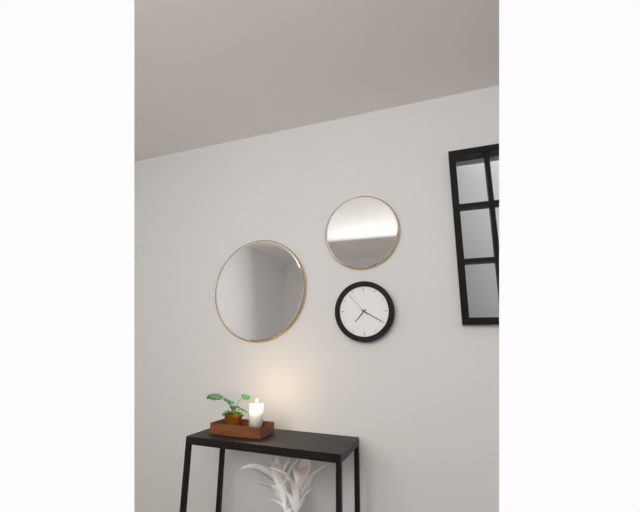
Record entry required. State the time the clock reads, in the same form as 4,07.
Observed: 7,20
